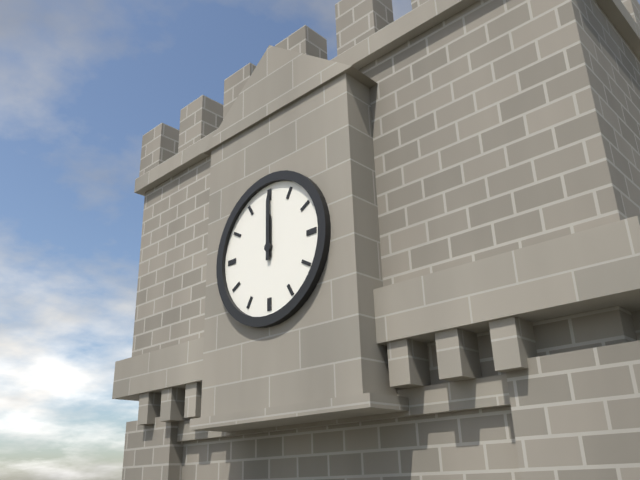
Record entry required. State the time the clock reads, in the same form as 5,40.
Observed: 12,00
